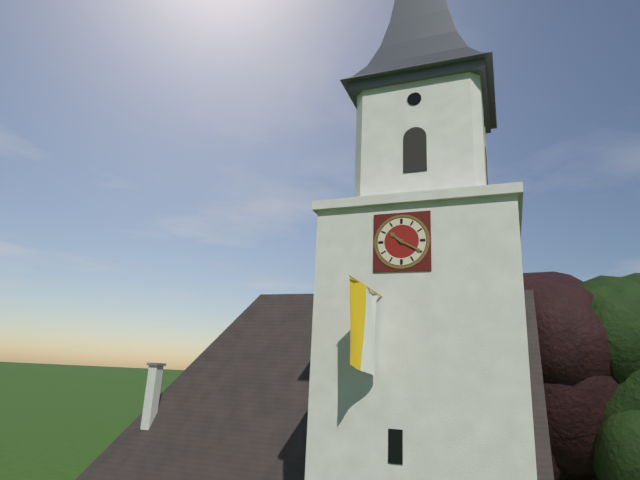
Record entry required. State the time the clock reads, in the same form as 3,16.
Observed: 10,20
